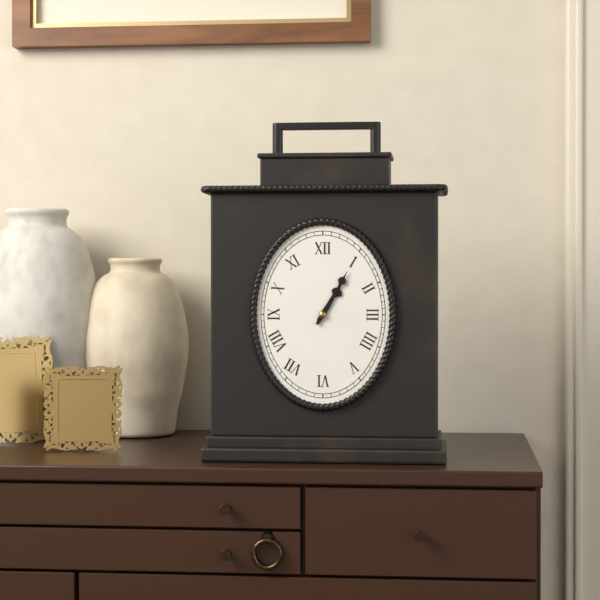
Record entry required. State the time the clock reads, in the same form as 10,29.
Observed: 1,05
